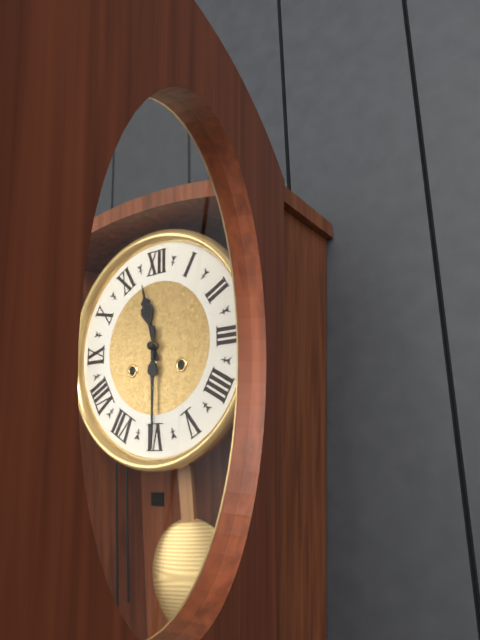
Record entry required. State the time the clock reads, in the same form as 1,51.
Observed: 11,30
